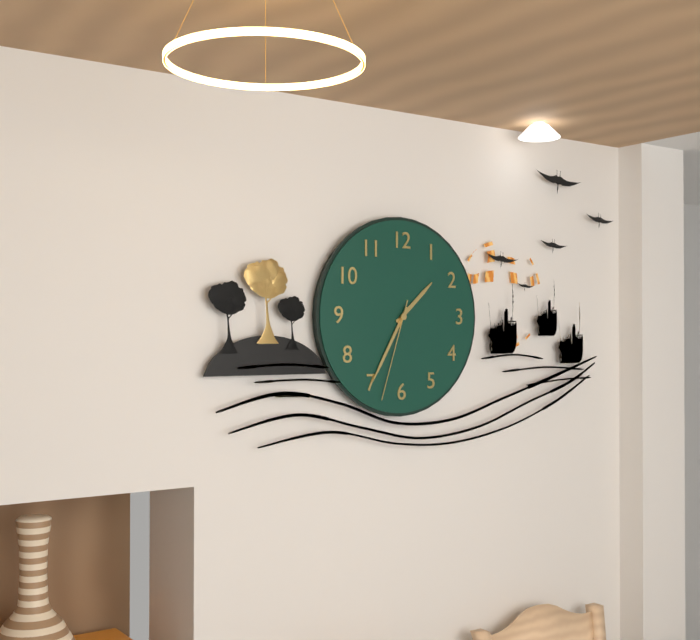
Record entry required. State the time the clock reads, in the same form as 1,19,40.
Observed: 1,35,33
